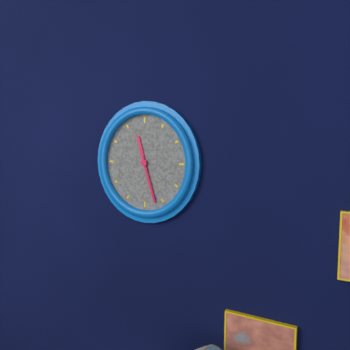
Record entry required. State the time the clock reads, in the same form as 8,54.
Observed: 11,27
